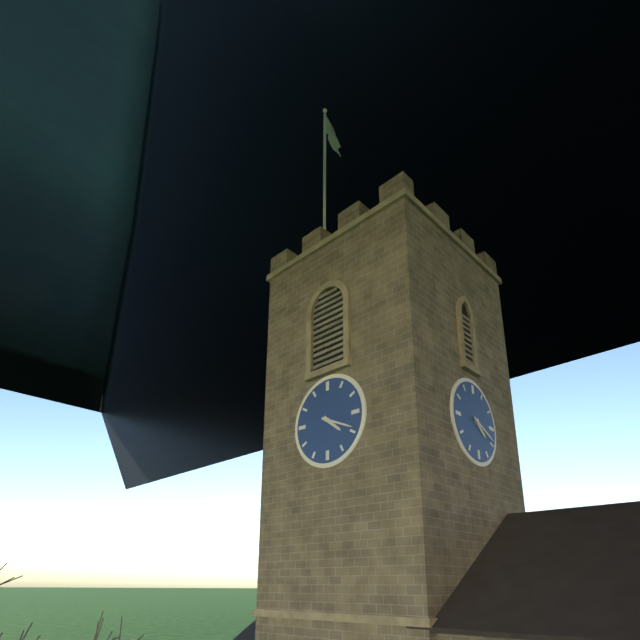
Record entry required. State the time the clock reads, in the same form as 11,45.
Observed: 4,19
